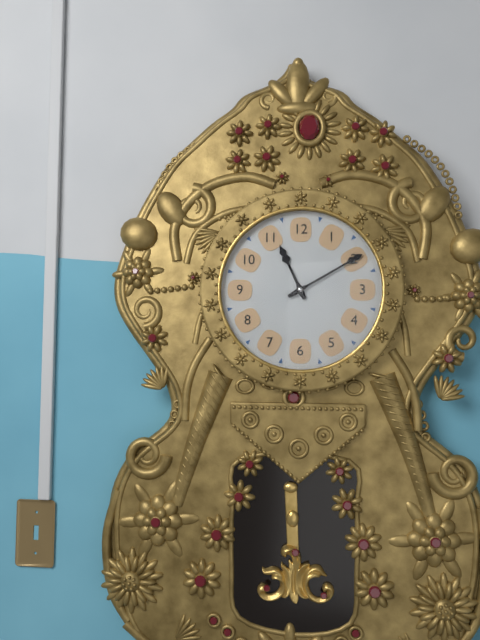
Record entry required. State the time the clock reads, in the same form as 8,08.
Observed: 11,10
